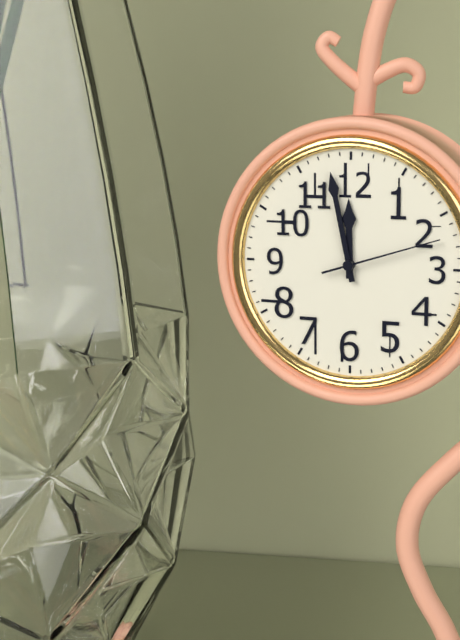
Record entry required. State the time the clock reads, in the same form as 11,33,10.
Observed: 11,58,12
